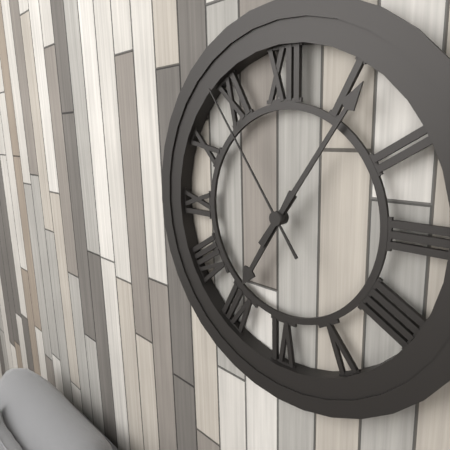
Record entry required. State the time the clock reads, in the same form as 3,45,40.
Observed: 7,06,54
